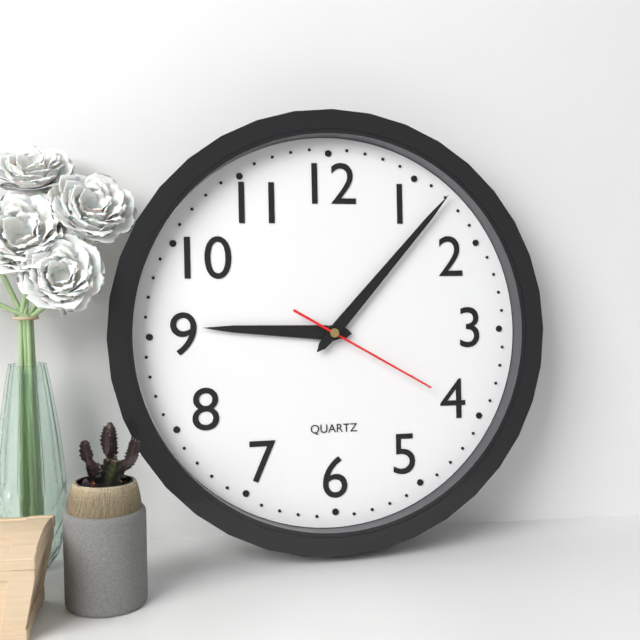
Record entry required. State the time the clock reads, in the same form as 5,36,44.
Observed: 9,07,20
